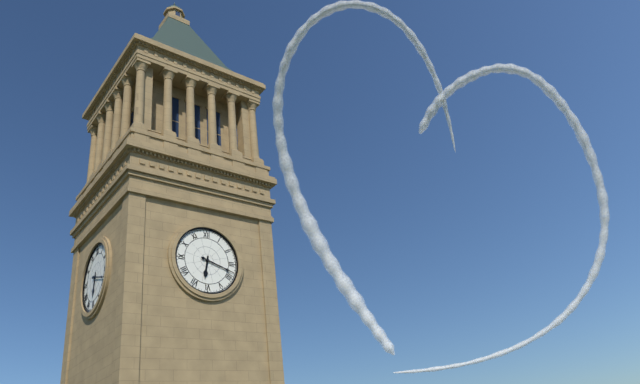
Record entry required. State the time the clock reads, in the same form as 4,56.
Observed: 6,18
